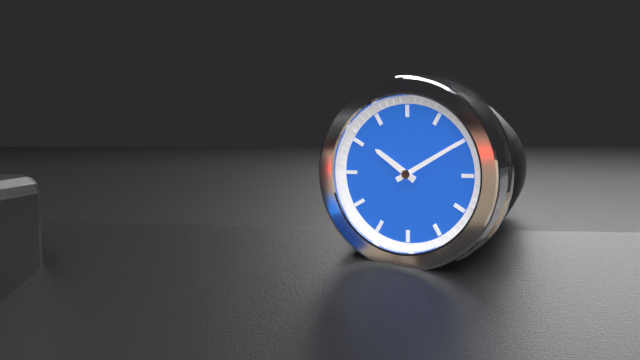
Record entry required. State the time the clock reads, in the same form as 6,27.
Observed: 10,10
